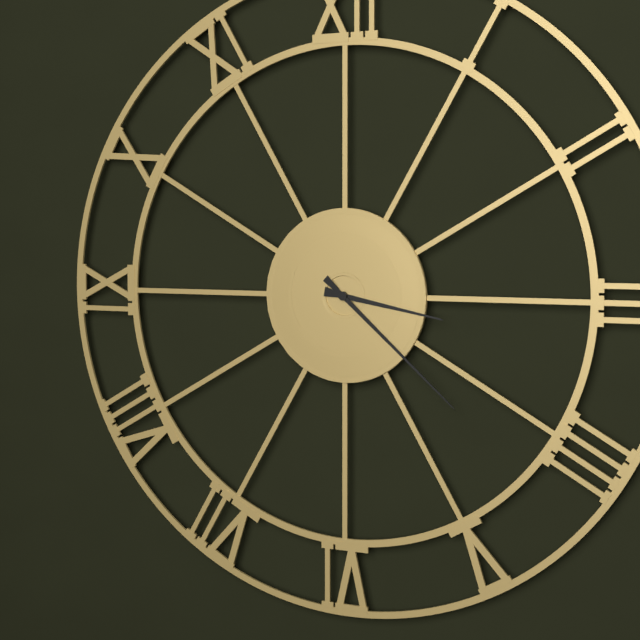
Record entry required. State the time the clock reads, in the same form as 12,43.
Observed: 3,22
